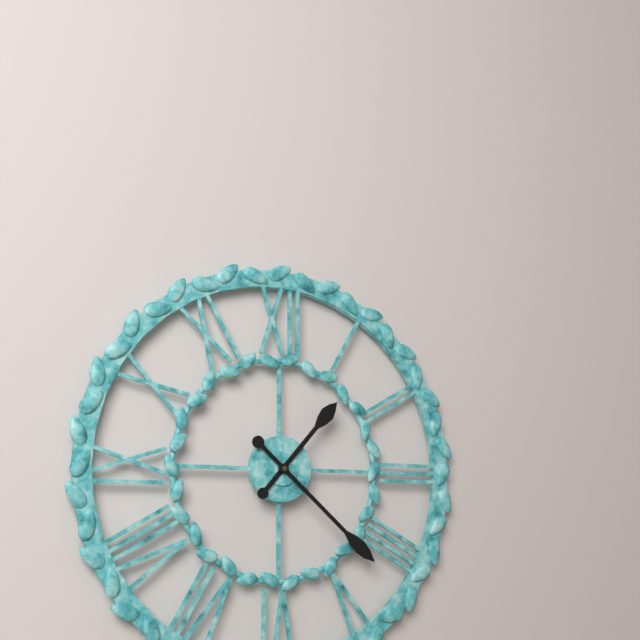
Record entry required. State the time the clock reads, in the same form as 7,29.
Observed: 1,22
